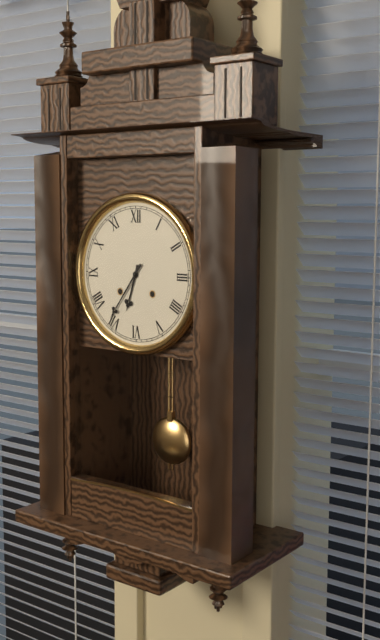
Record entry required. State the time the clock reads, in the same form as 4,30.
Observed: 6,36
